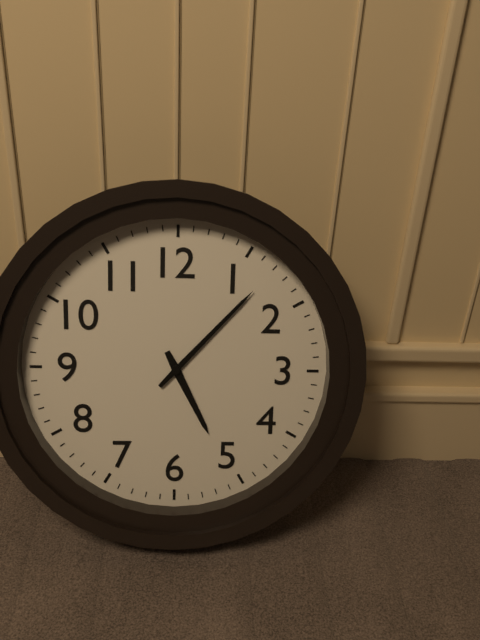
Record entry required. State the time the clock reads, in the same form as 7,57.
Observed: 5,07
